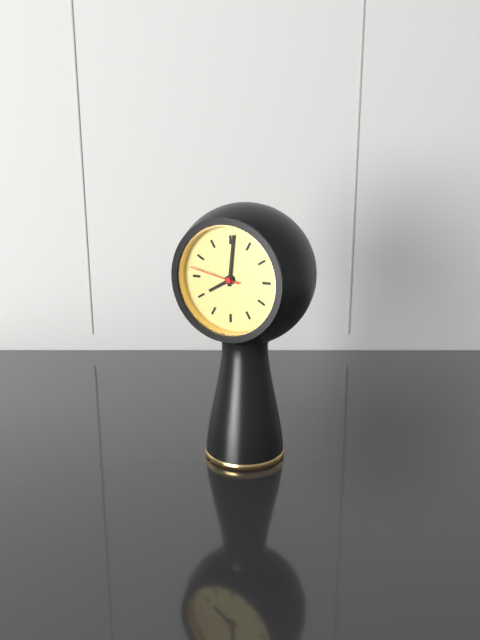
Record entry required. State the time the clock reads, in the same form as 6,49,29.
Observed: 8,01,47
